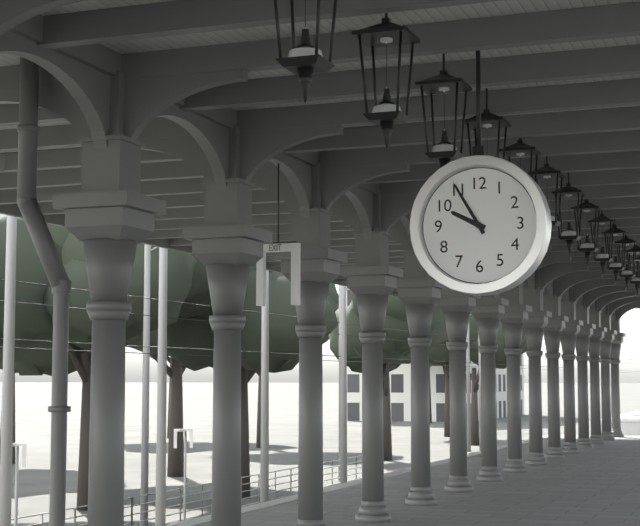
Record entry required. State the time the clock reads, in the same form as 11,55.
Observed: 9,55
